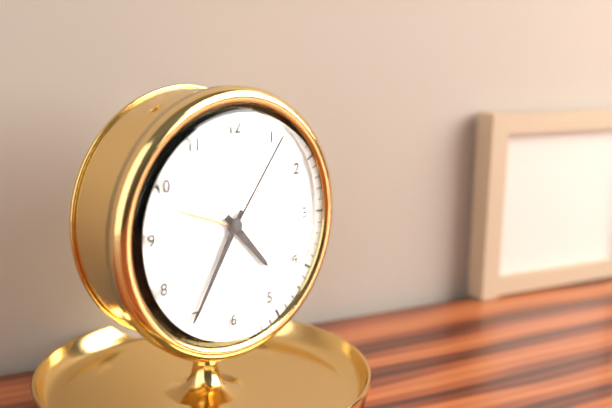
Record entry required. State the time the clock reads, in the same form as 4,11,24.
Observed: 4,35,06
